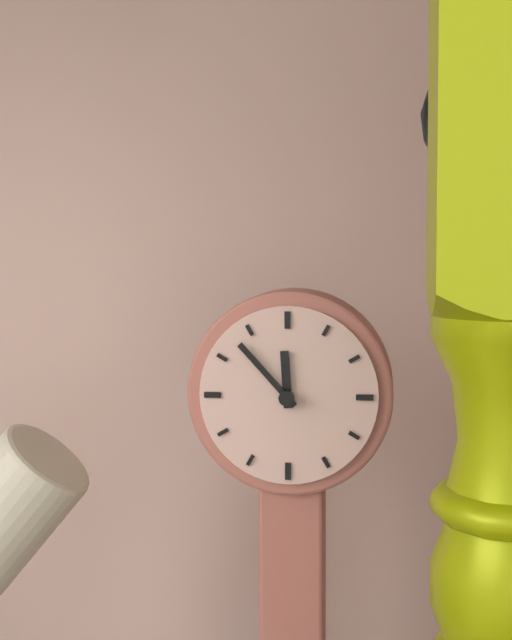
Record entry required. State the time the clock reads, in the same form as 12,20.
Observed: 11,53
